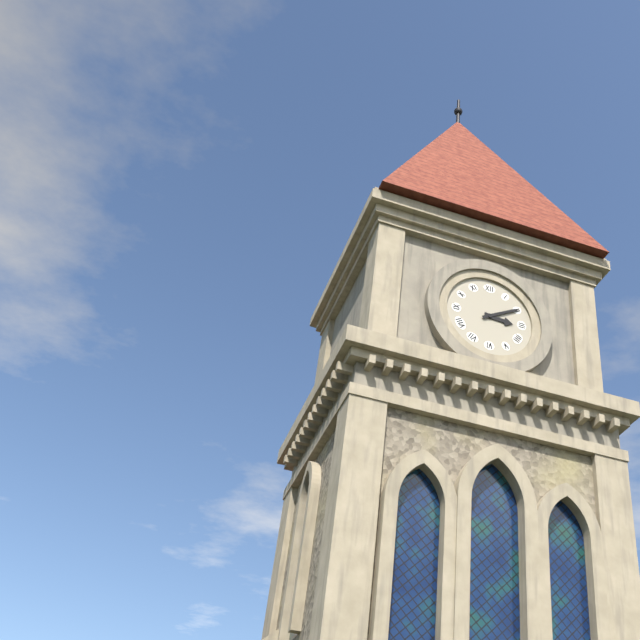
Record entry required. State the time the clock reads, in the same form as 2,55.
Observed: 3,10
